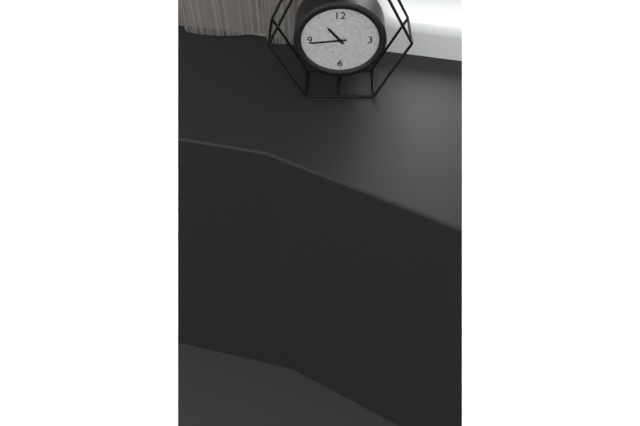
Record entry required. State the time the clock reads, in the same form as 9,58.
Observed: 10,44
